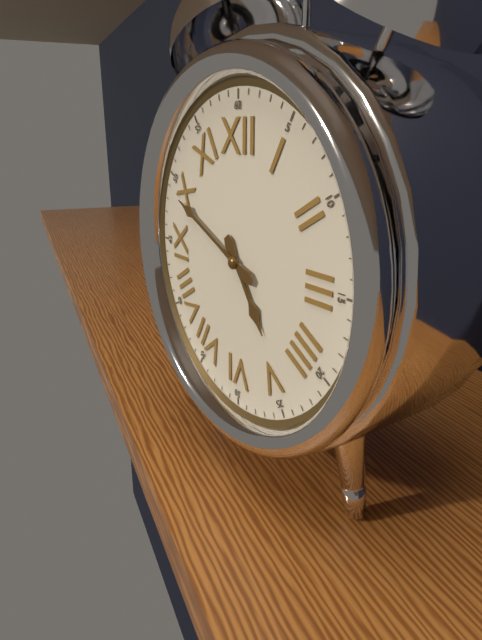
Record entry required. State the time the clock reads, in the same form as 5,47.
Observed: 4,49
